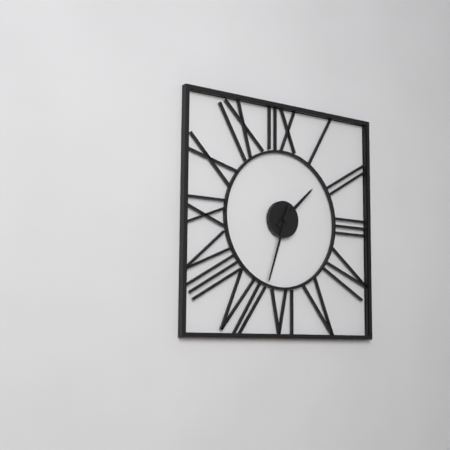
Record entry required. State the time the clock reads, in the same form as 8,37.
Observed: 1,33
